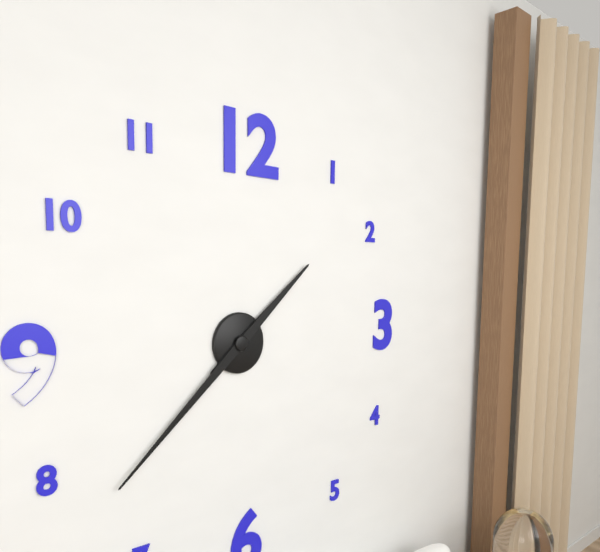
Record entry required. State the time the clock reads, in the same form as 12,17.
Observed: 1,38
